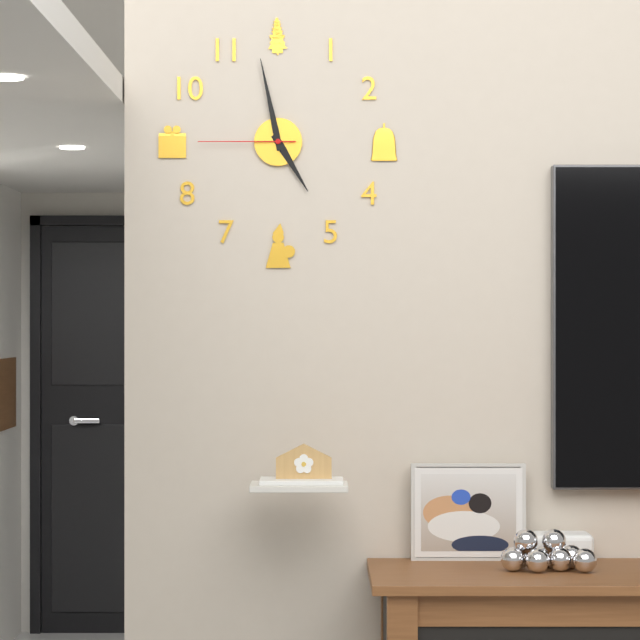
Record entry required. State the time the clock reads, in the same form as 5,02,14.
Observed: 4,58,45
